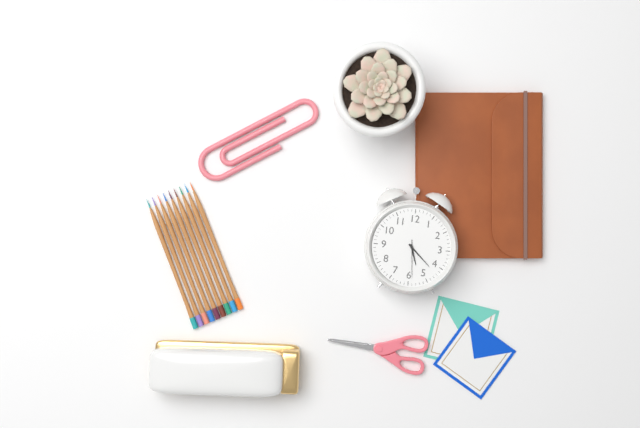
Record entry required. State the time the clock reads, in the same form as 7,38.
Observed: 5,22
